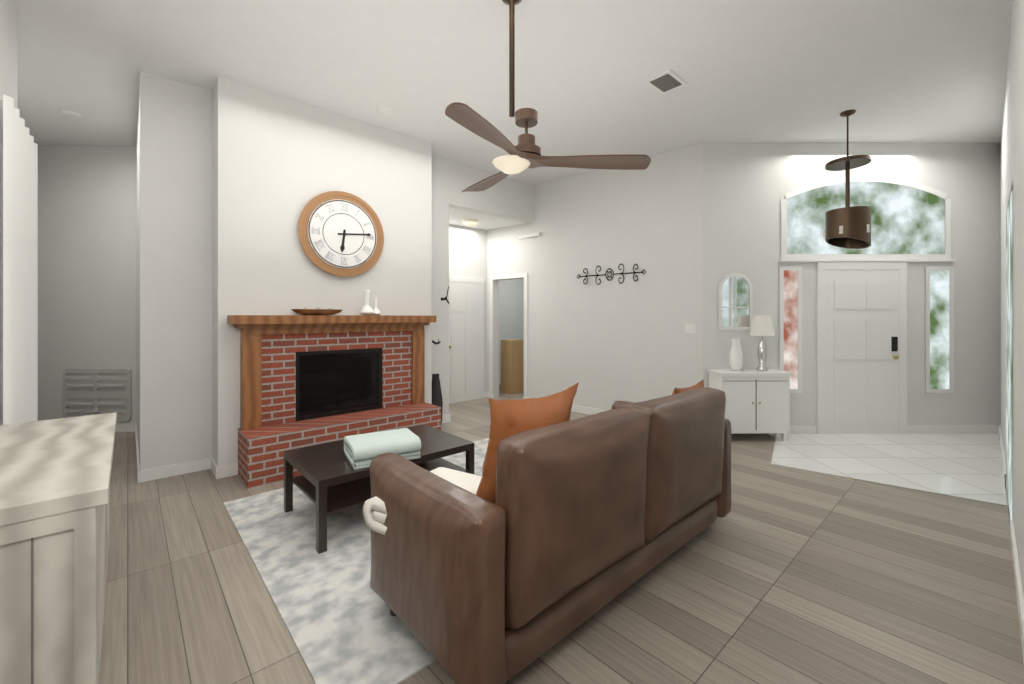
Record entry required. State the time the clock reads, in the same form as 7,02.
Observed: 6,14
